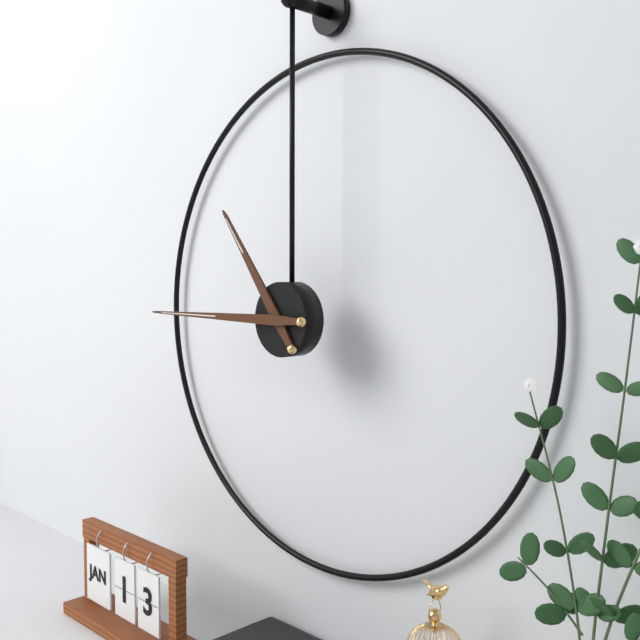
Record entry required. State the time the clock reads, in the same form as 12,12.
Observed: 10,45
